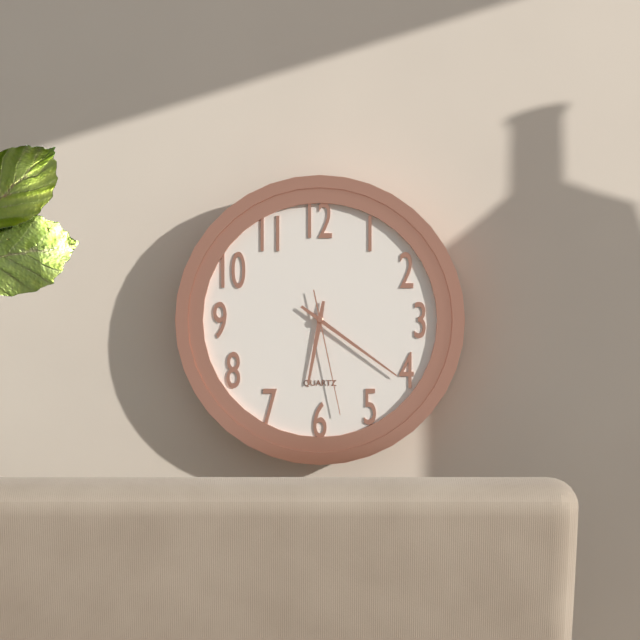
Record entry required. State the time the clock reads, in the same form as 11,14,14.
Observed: 6,21,28
